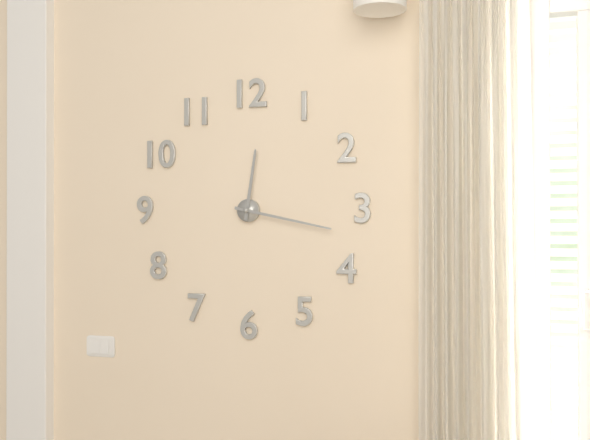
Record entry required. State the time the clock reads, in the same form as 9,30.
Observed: 12,17
